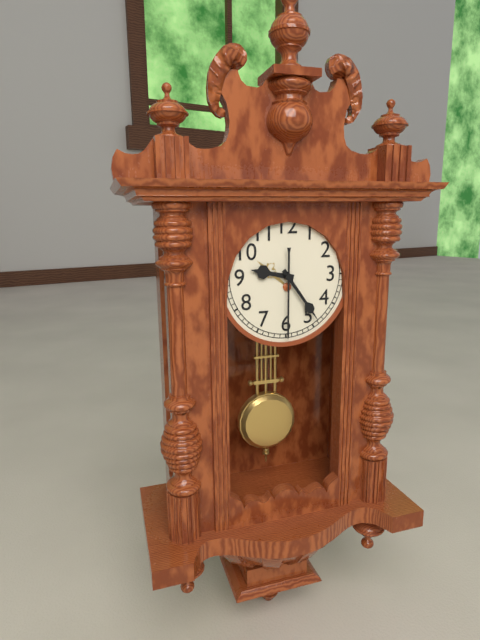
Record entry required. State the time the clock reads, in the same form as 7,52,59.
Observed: 9,24,30
